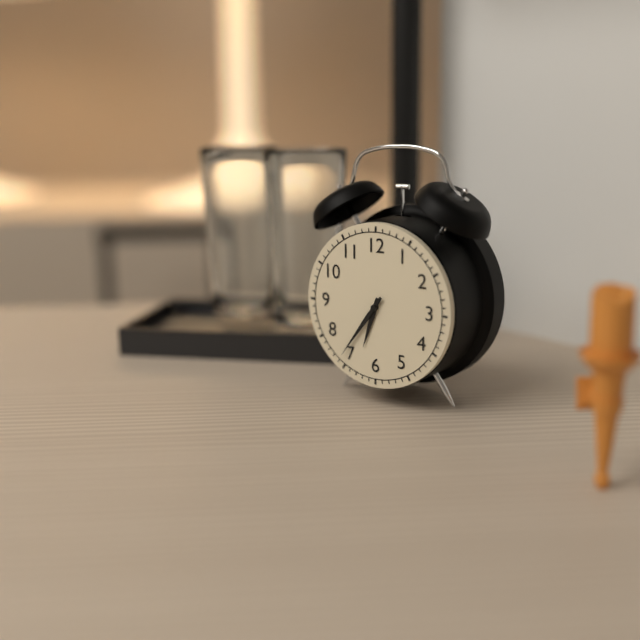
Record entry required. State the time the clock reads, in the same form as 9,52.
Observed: 6,36
